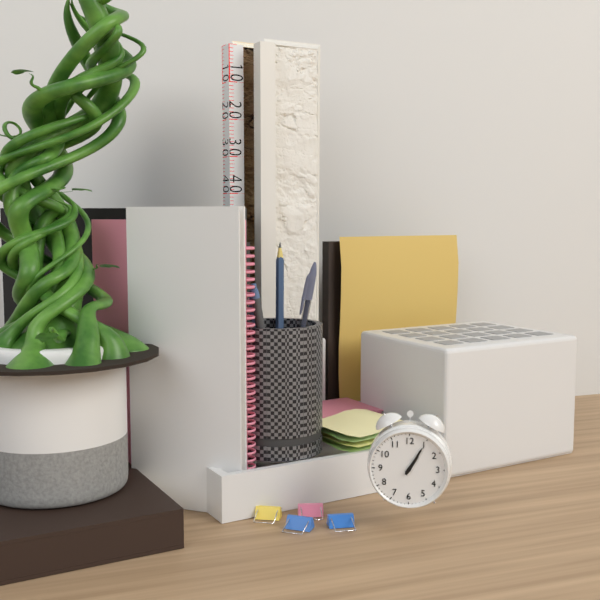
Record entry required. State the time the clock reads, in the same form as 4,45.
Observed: 1,05
